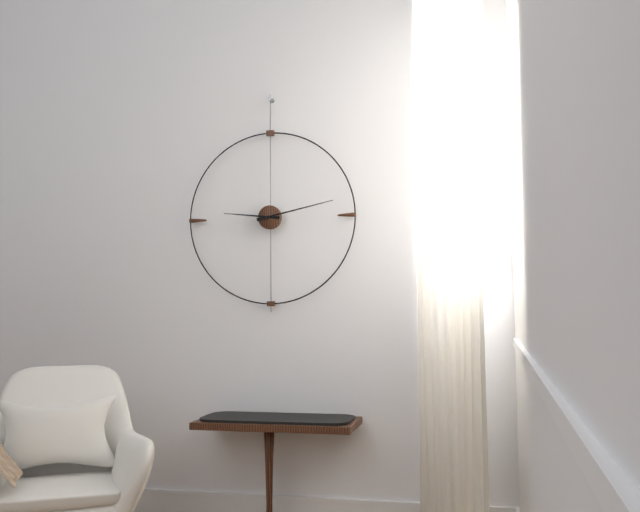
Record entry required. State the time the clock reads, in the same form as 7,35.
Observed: 9,13
